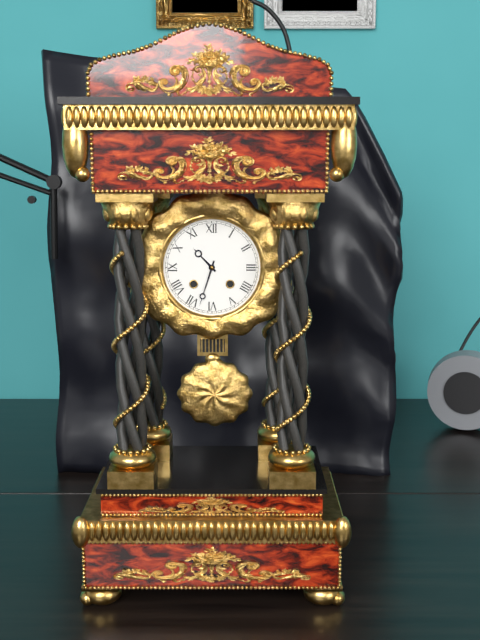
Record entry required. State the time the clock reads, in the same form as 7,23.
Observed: 10,33
